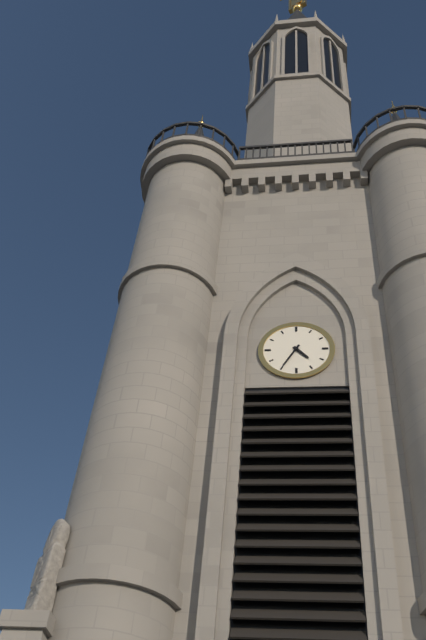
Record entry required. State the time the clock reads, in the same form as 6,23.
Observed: 4,35
